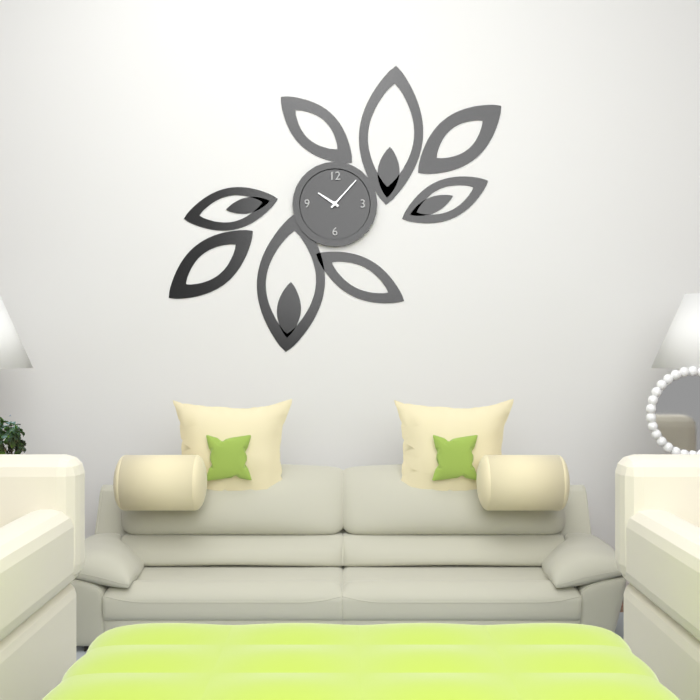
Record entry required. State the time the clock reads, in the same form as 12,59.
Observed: 10,07
